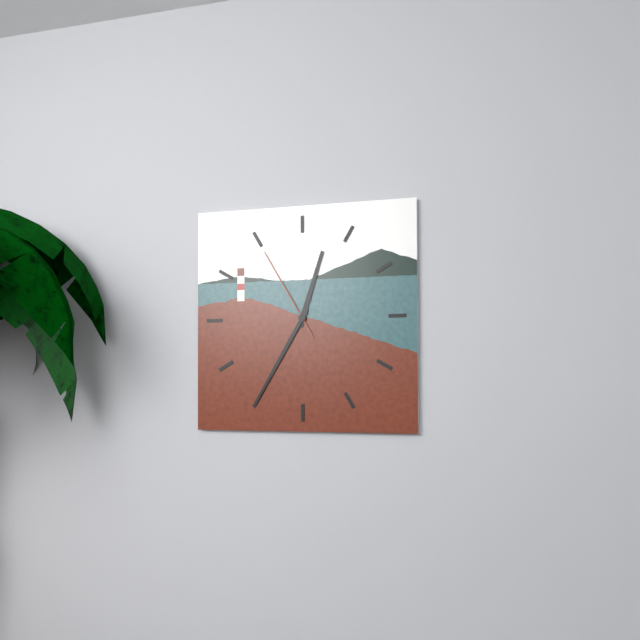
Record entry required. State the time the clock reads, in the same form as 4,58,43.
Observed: 12,35,55
